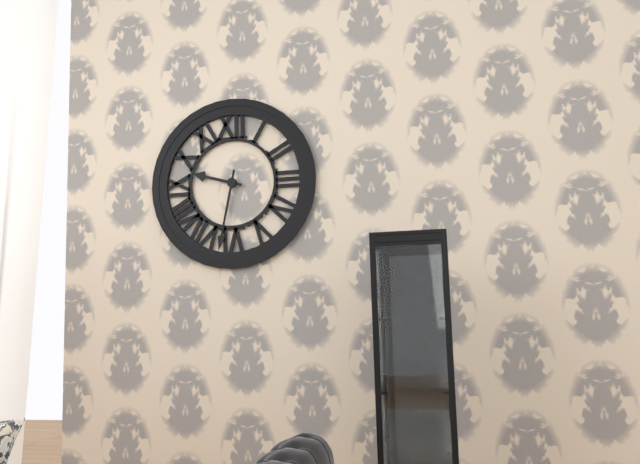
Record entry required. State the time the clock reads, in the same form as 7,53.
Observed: 9,32
